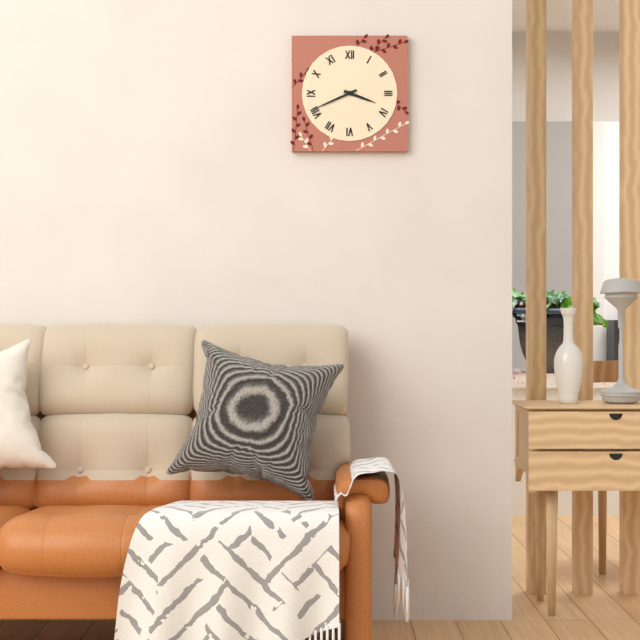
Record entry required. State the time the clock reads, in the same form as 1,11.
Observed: 3,41
